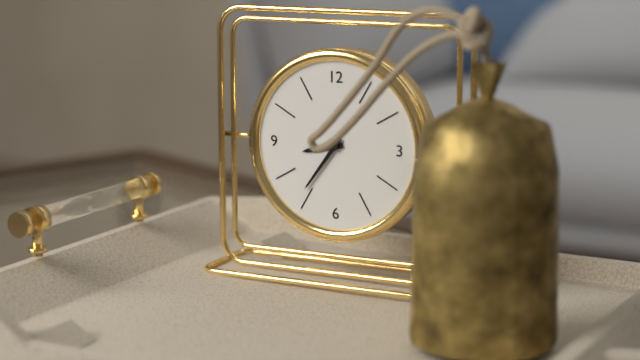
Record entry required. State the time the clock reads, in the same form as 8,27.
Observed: 8,36
